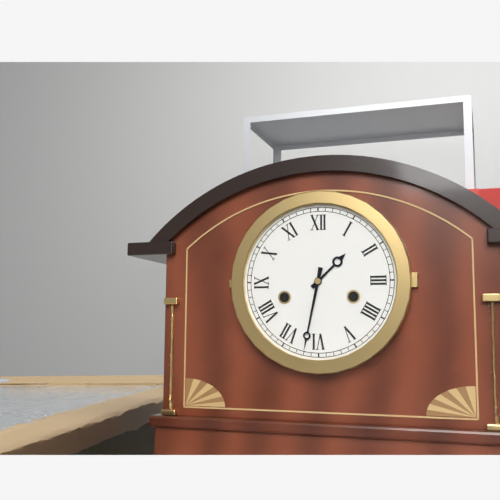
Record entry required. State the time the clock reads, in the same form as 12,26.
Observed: 1,32
